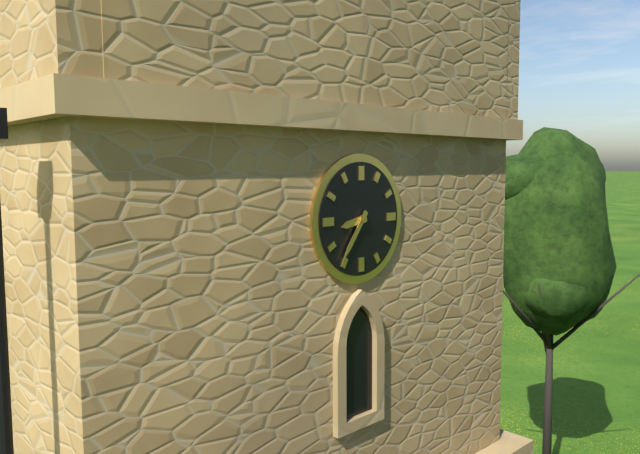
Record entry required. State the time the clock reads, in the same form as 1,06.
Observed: 8,36
